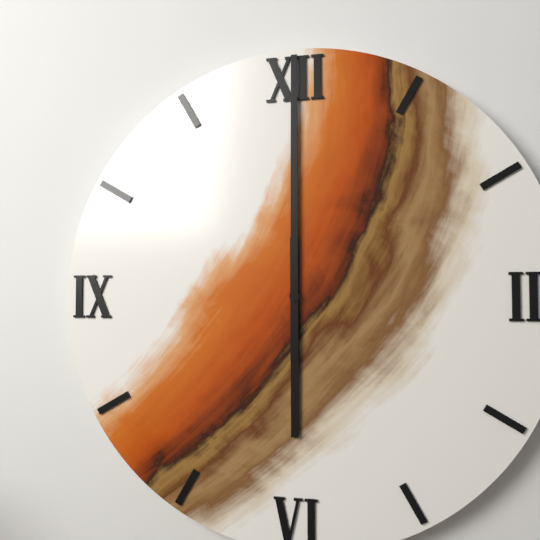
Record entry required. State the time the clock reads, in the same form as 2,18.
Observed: 6,00
